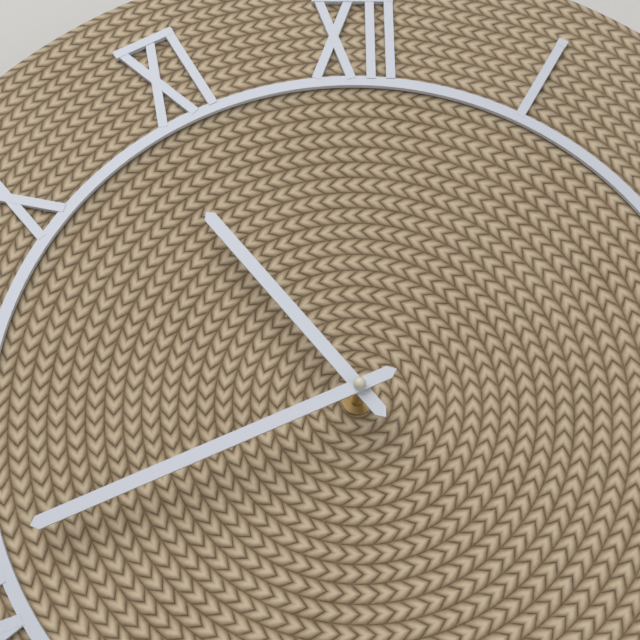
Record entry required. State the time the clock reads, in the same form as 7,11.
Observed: 10,41
